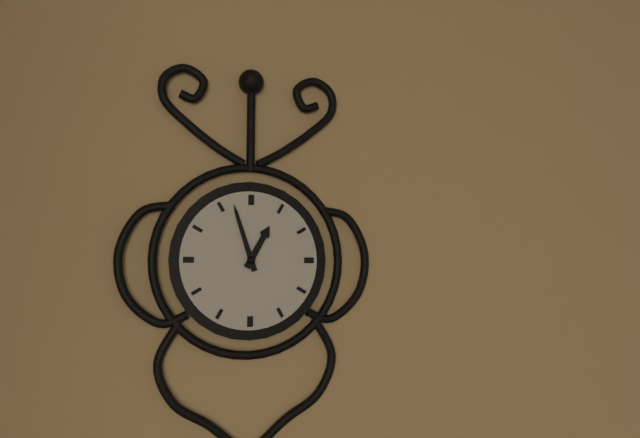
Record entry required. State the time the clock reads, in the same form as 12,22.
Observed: 12,57
